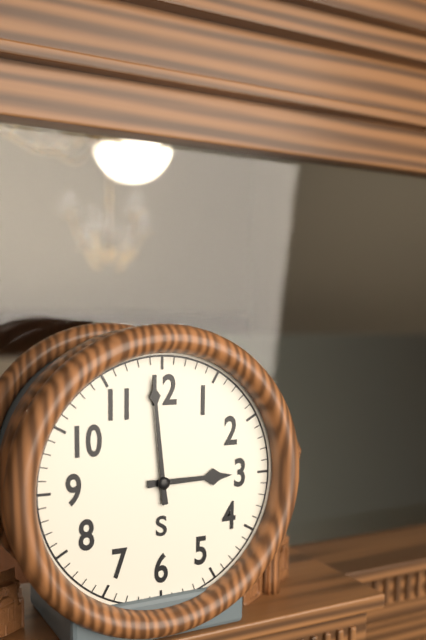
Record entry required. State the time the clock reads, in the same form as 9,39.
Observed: 2,59
